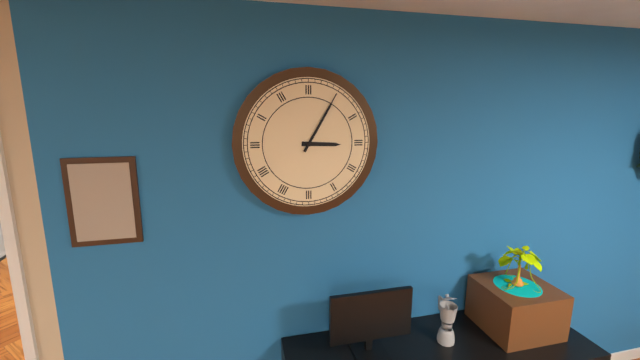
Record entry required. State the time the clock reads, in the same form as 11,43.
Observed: 3,05
